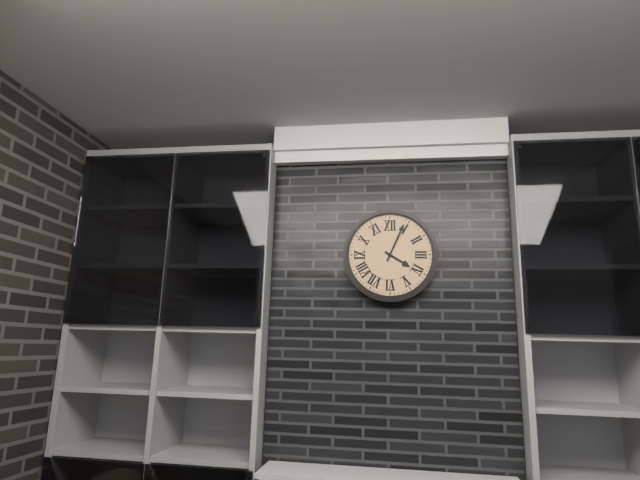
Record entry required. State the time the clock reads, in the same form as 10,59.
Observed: 4,04
